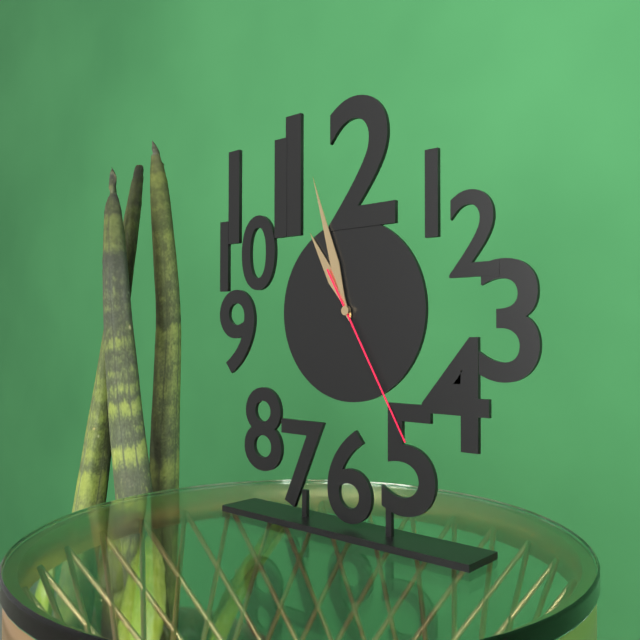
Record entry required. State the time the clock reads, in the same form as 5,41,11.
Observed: 10,57,25
